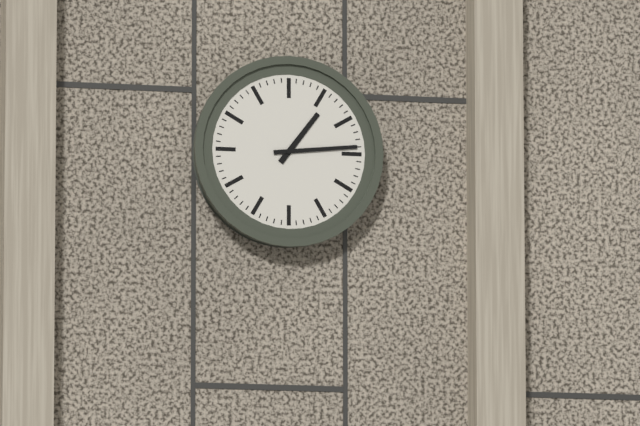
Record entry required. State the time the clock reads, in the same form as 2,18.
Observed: 1,14
